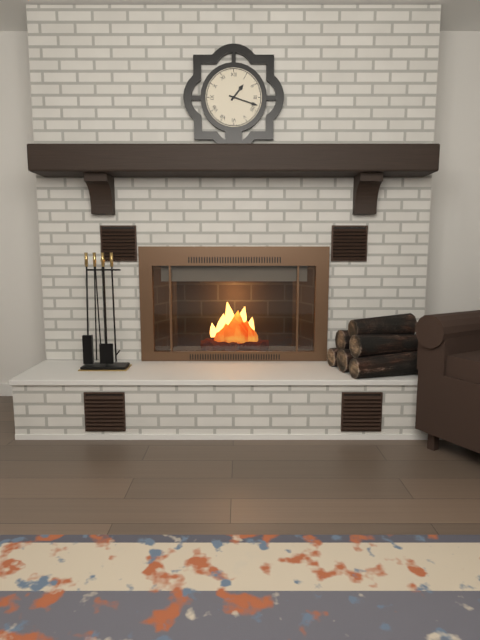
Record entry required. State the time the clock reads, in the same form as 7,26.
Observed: 1,18
